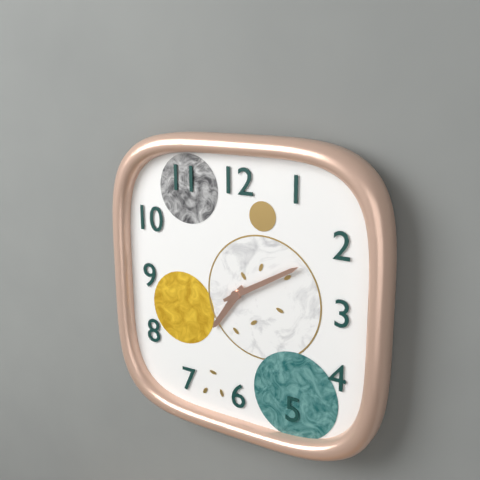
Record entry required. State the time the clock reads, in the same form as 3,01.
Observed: 7,10
